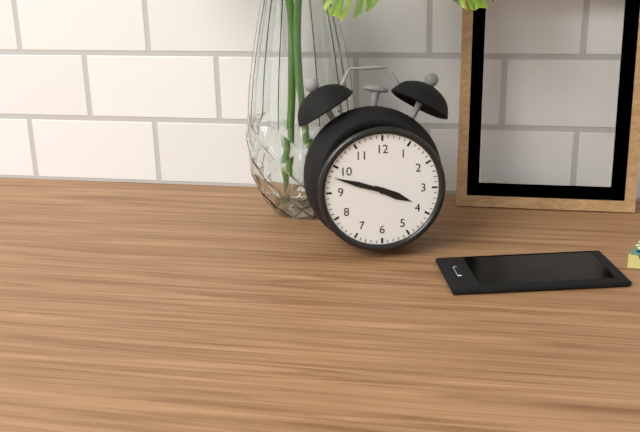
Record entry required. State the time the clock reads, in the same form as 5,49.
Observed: 3,48
